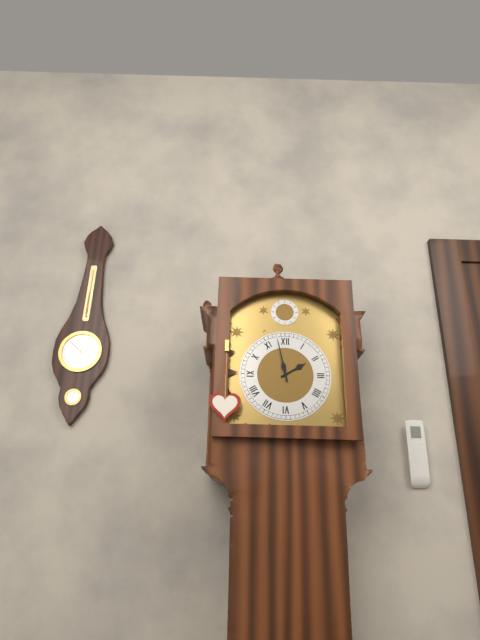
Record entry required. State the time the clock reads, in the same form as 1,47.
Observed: 1,58
